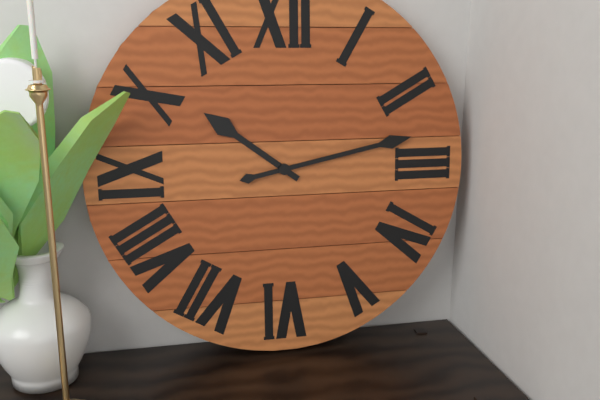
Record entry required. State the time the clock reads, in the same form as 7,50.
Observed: 10,13
